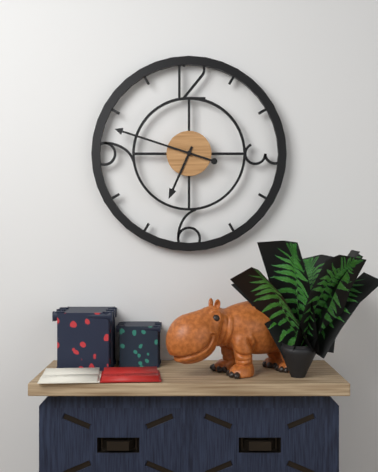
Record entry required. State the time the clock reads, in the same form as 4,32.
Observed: 6,48
